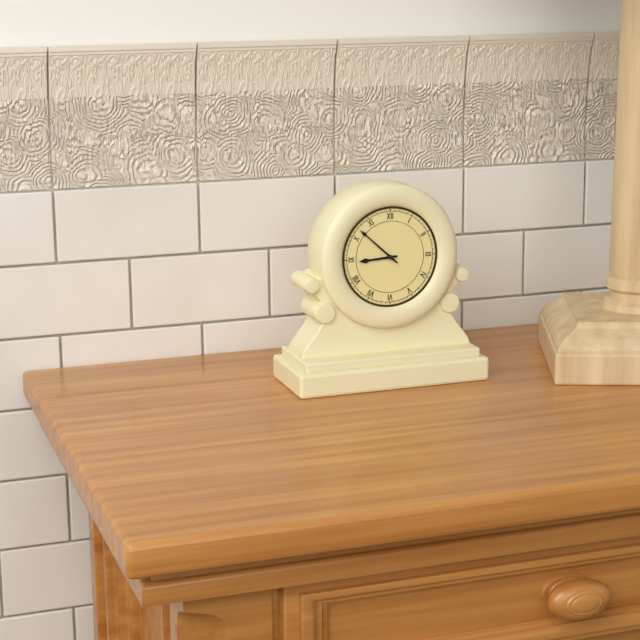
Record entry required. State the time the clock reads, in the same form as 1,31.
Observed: 8,52
